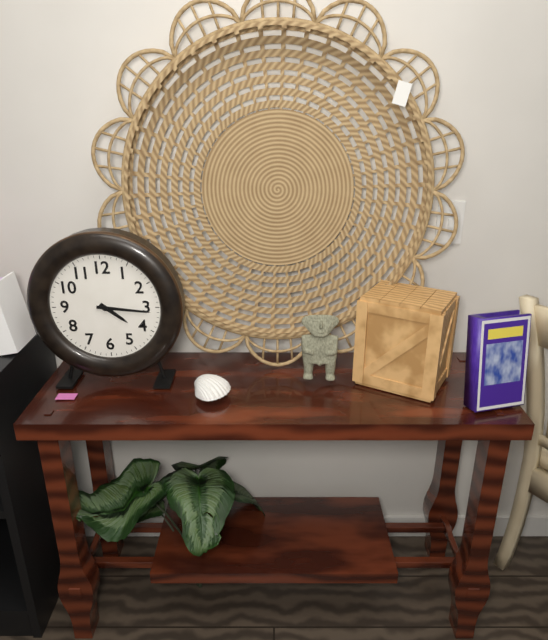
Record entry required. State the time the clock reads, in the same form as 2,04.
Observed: 4,16
